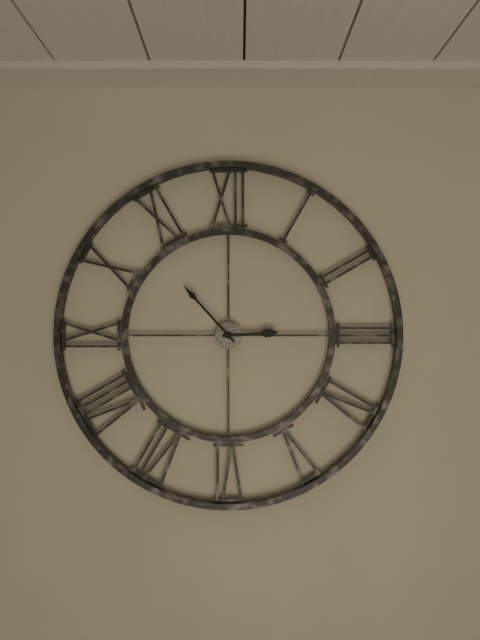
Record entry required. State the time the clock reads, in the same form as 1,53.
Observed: 2,53
